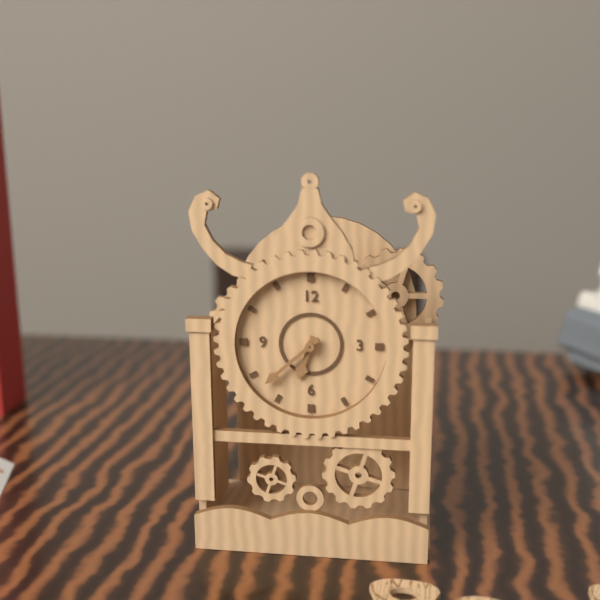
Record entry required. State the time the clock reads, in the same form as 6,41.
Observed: 6,38
